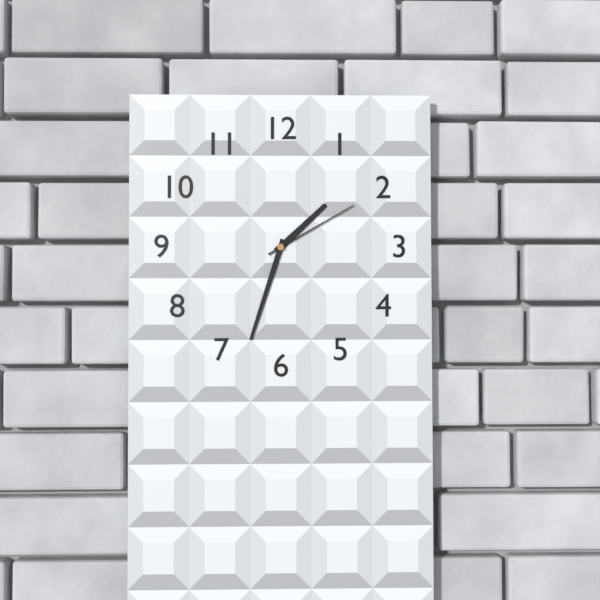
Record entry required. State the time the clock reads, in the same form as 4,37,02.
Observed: 1,33,10
